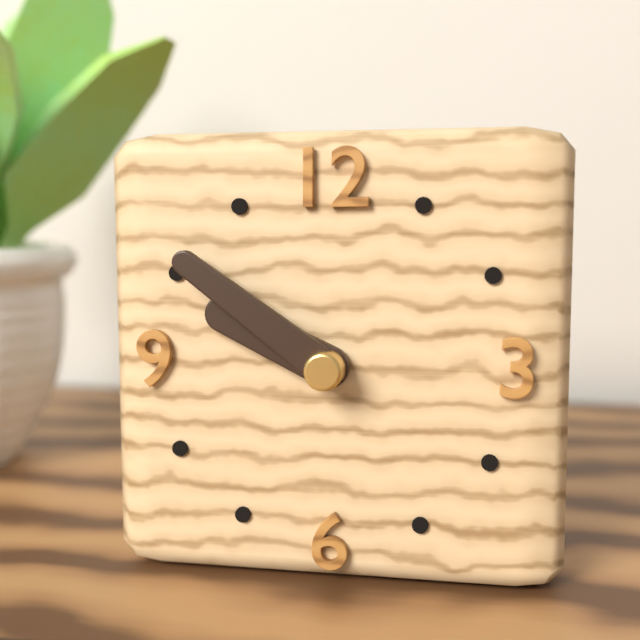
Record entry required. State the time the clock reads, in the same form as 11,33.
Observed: 9,51
